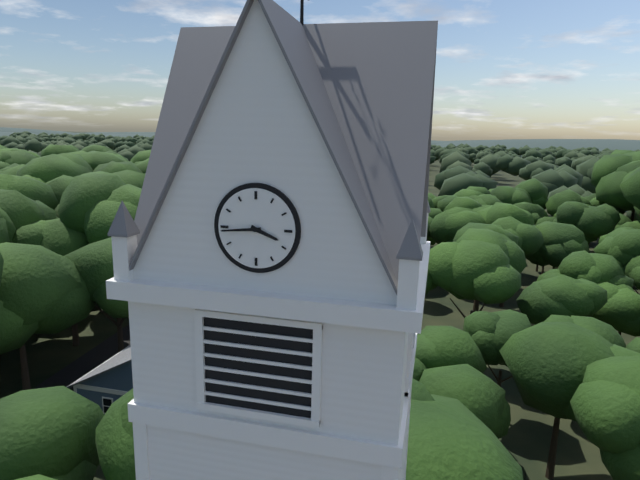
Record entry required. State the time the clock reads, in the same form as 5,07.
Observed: 3,44
